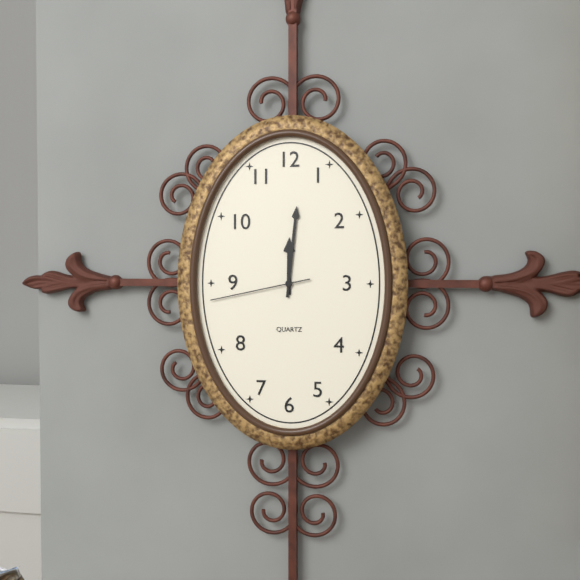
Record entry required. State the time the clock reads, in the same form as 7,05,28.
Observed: 12,01,43
